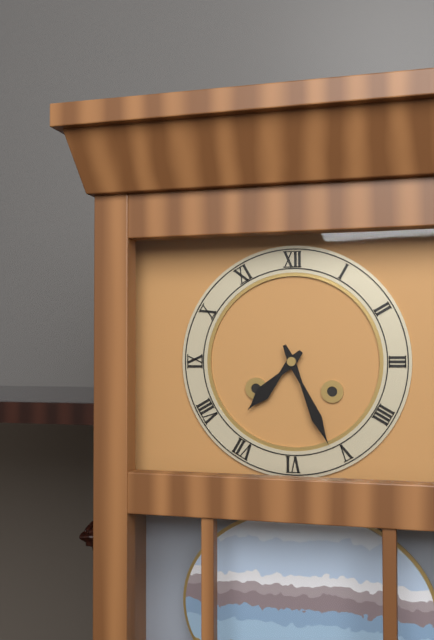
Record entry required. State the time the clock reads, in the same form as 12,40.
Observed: 7,26
